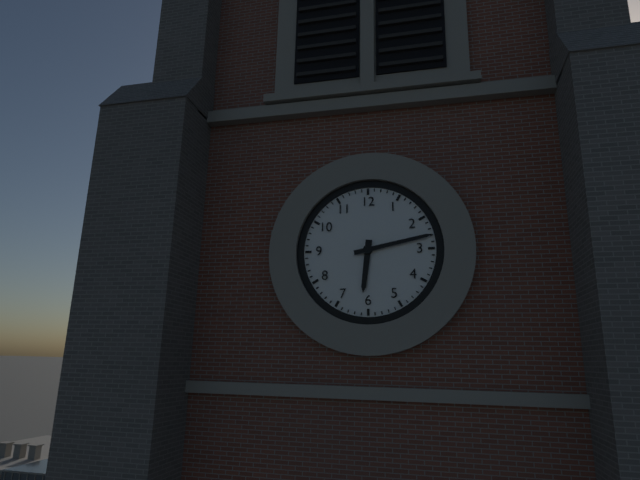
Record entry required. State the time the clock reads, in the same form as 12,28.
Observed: 6,13
